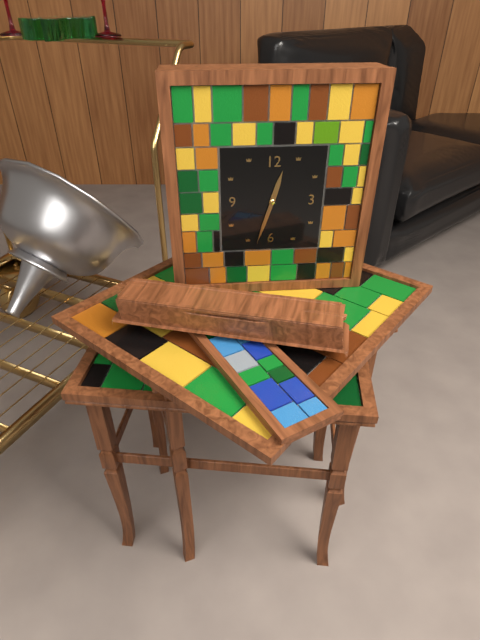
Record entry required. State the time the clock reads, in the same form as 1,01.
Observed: 12,33
